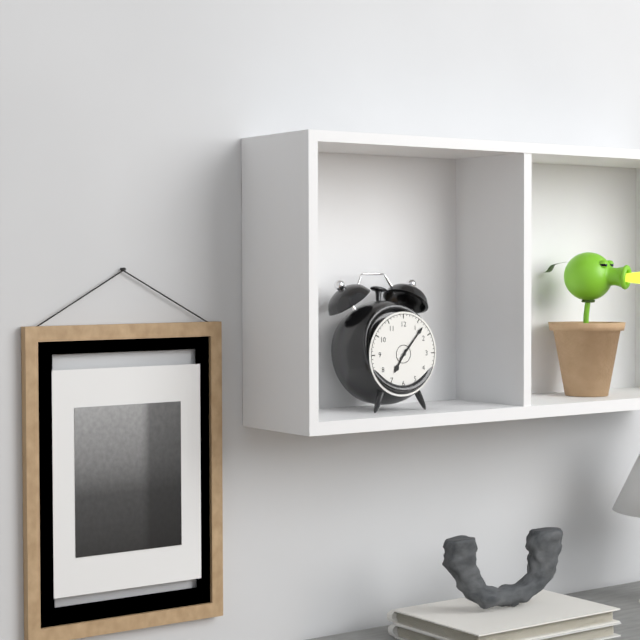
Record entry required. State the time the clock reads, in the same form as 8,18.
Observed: 7,07
